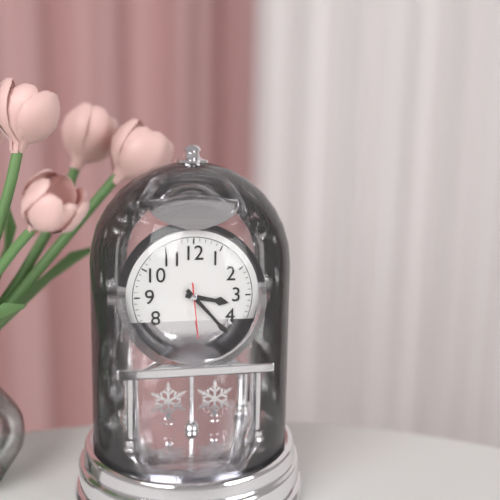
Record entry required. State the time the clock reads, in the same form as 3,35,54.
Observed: 3,23,29
